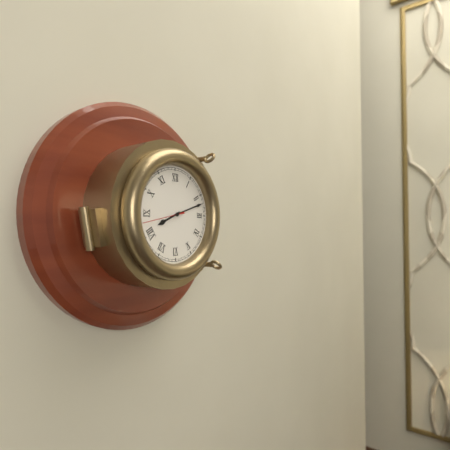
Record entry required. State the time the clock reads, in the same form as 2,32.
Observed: 8,12
